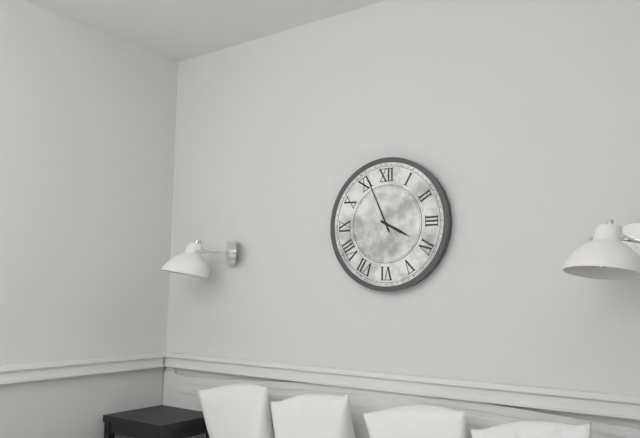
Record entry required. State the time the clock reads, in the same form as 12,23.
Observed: 3,56
